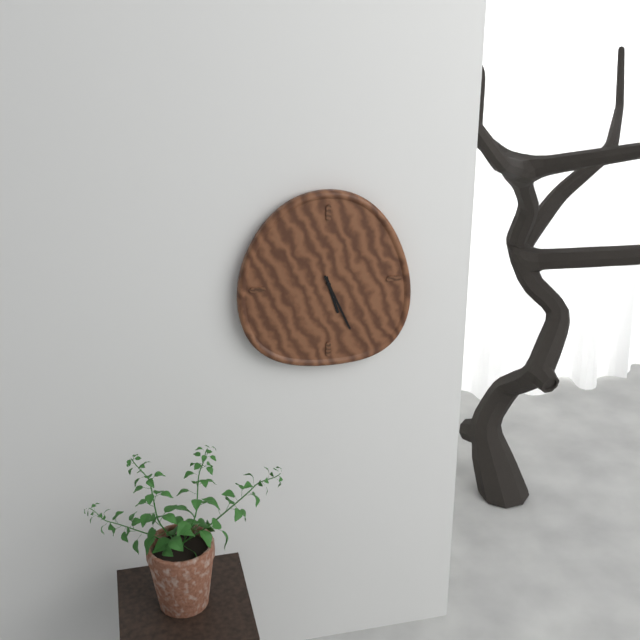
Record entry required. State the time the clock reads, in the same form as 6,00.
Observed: 5,26
